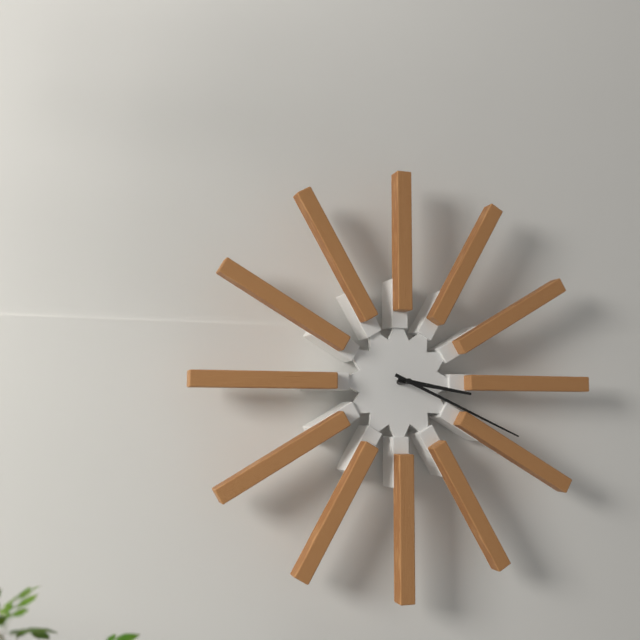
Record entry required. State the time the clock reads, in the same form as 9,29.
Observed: 3,19
